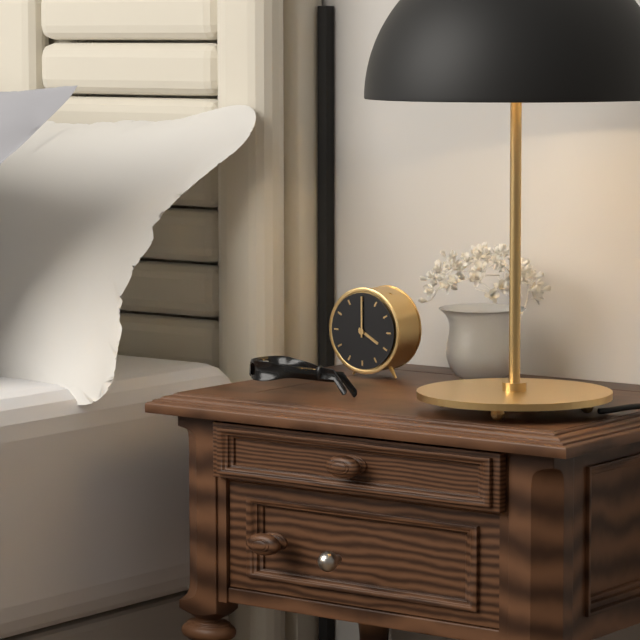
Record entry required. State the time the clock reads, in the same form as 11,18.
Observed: 4,00
